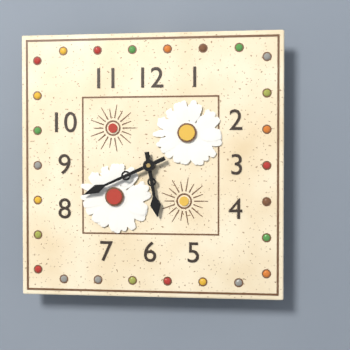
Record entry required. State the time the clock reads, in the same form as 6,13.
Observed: 5,41
